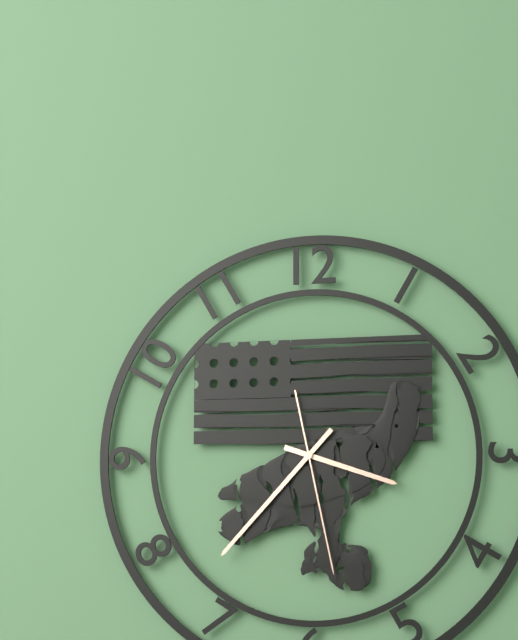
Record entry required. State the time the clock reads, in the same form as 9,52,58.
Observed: 3,37,28
